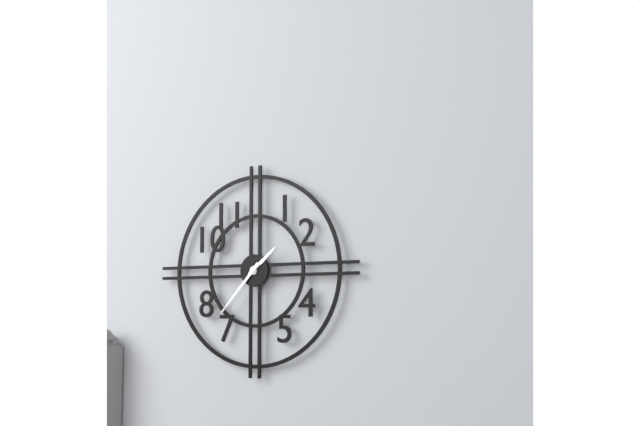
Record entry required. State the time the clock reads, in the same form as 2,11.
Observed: 1,37
